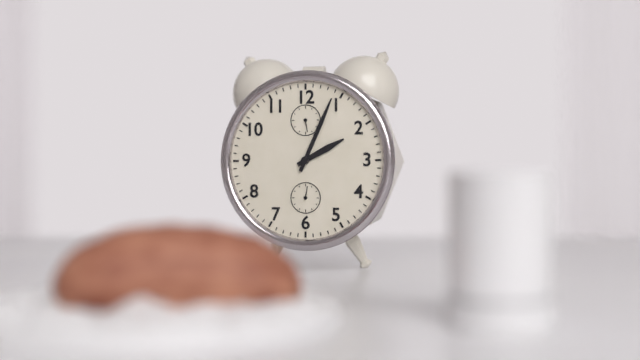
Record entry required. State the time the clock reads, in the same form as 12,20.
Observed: 2,04
